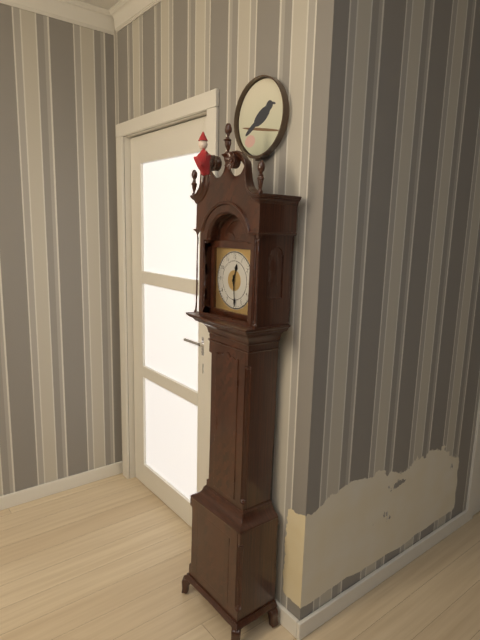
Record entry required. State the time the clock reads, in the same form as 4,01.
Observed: 12,29
